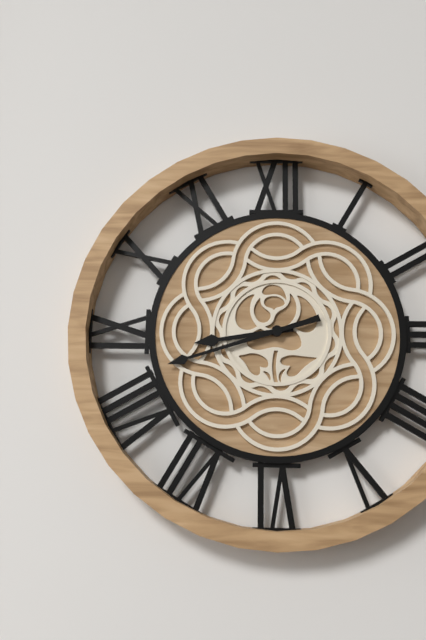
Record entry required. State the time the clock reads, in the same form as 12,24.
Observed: 8,42
